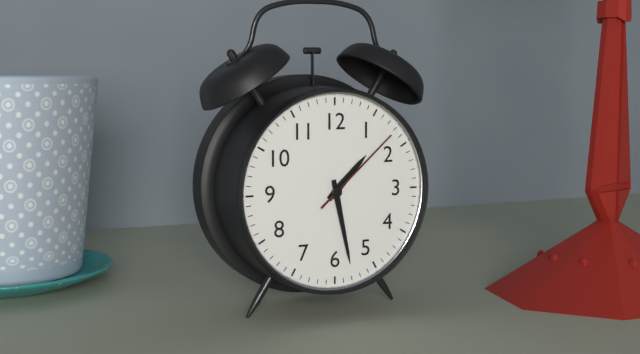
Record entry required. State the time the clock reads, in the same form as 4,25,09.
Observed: 1,28,08
